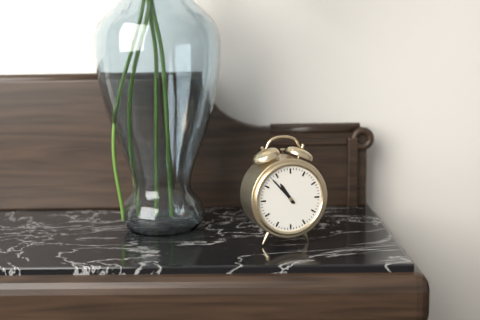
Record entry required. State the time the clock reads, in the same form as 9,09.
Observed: 10,53
